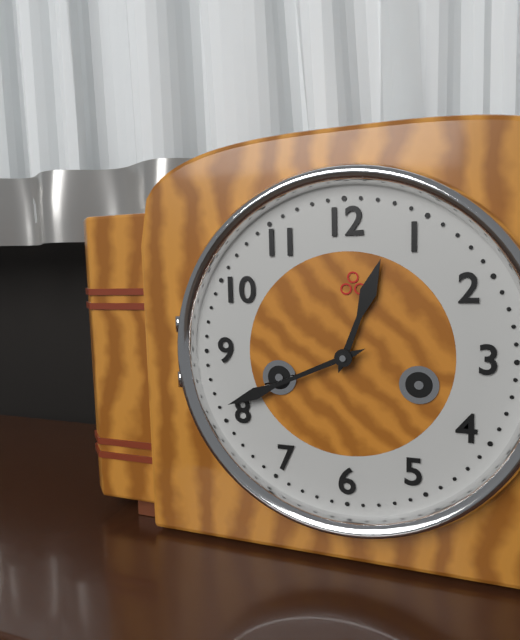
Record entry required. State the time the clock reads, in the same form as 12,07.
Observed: 12,41
